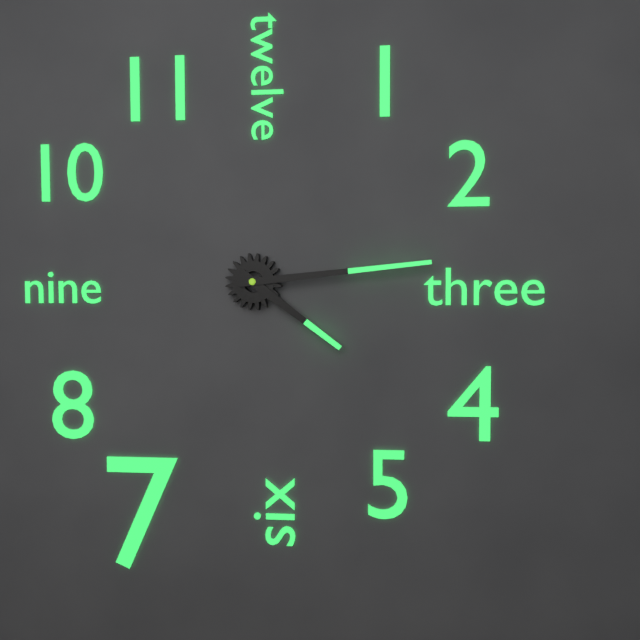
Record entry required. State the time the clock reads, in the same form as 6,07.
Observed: 4,14
